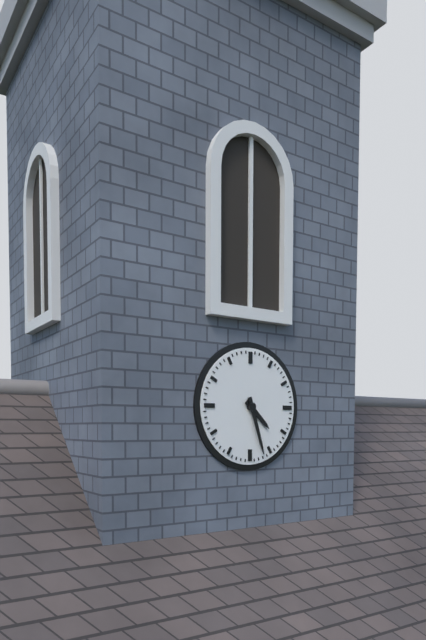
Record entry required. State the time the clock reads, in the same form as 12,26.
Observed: 4,27
